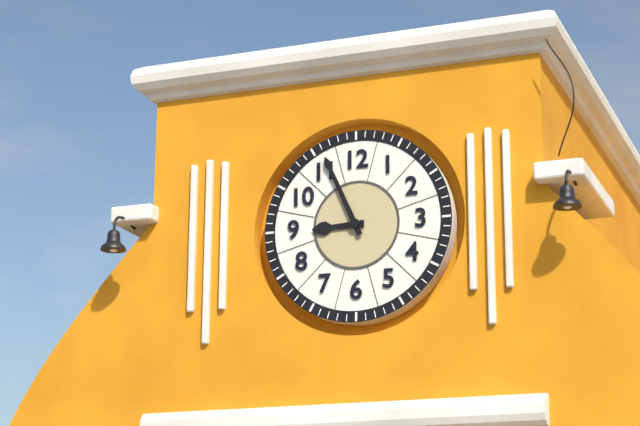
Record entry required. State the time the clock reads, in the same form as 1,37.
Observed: 8,56
